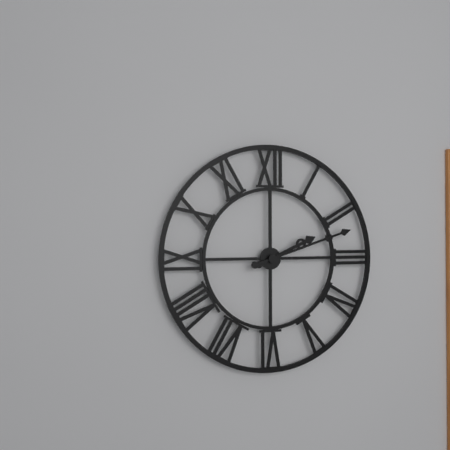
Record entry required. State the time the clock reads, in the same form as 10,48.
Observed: 2,12
